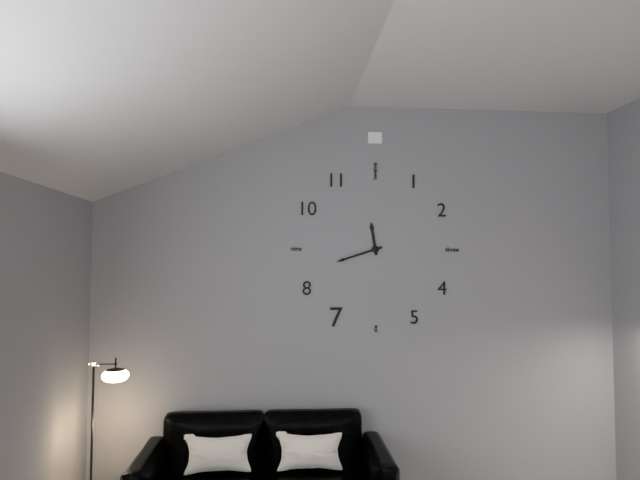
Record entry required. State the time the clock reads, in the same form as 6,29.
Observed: 11,42
